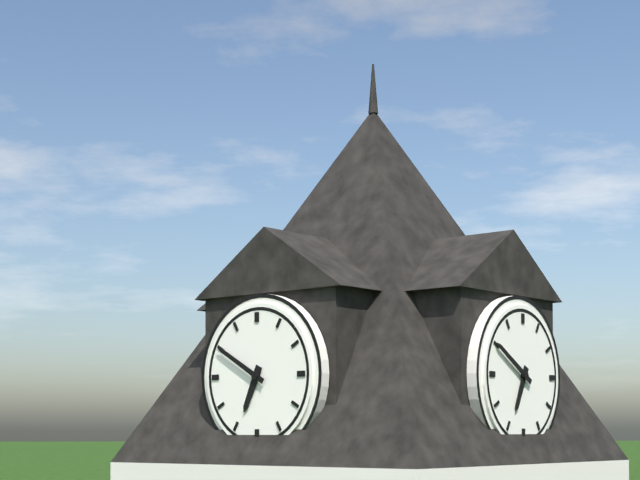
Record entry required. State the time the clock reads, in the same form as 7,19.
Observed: 6,50
